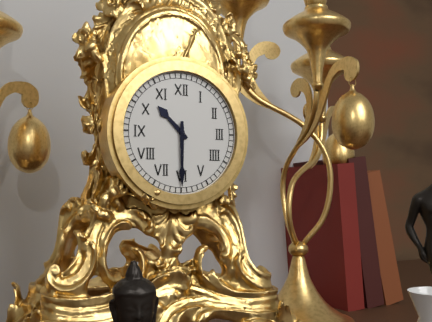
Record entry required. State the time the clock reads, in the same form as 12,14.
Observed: 10,30
